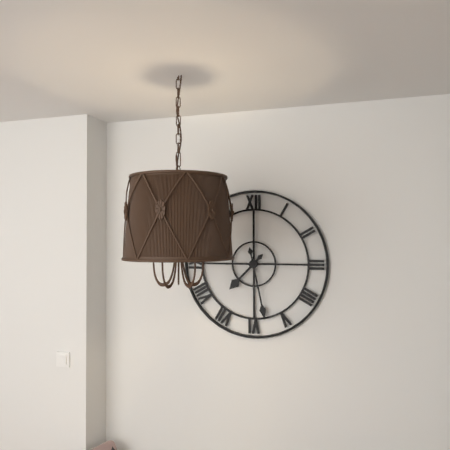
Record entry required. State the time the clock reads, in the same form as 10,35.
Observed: 7,28
